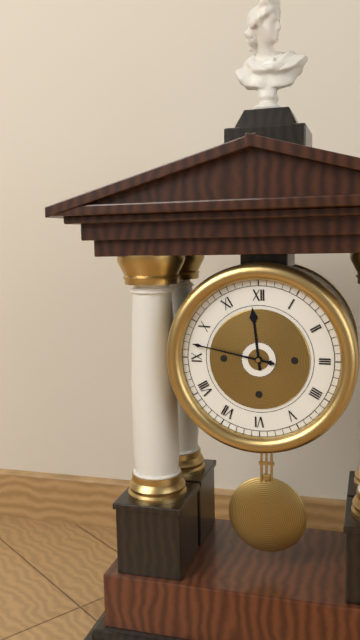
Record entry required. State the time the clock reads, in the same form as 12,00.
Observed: 11,47
